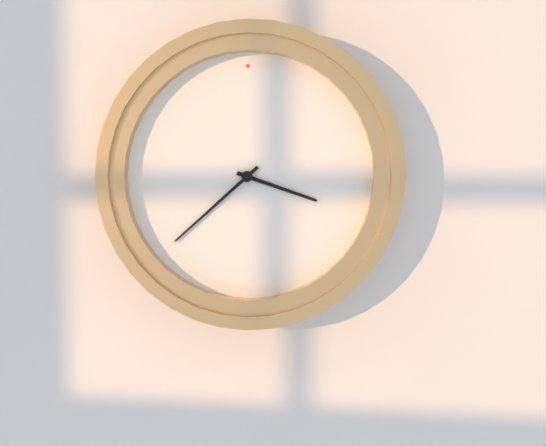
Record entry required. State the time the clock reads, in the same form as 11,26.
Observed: 3,38
